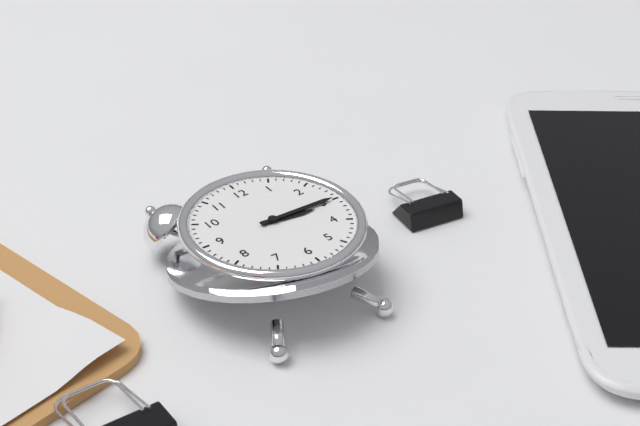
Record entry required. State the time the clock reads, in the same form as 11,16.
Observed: 3,15
